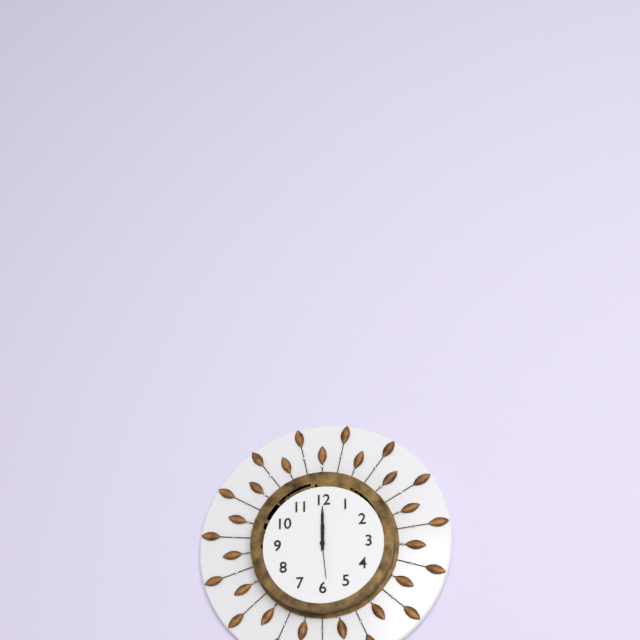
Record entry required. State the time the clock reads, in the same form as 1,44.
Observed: 12,00
